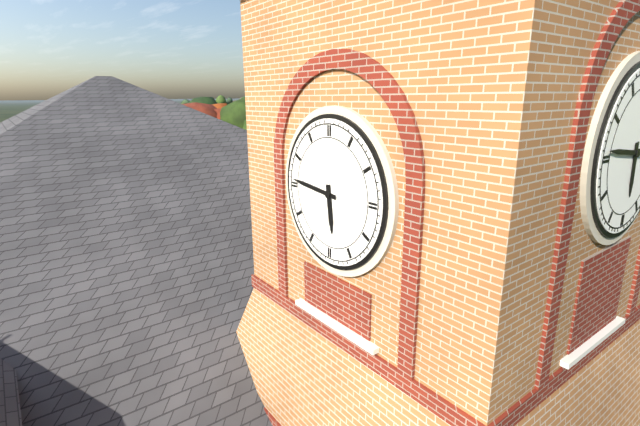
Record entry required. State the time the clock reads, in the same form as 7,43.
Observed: 5,46
